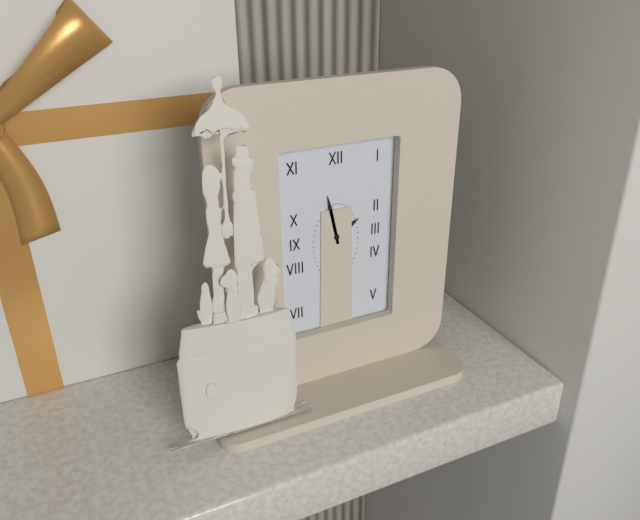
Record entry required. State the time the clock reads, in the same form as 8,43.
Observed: 1,58
